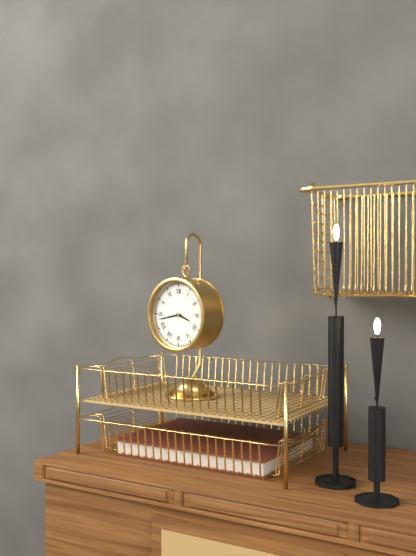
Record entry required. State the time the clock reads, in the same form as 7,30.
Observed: 3,43
